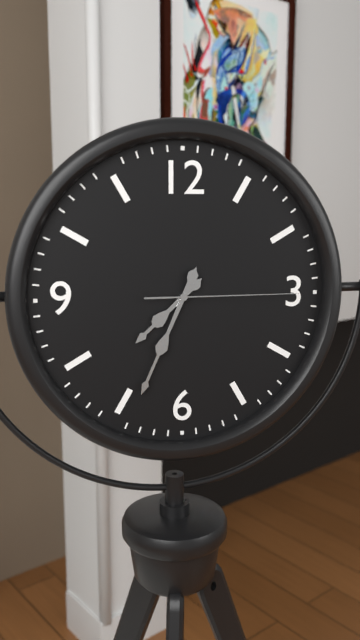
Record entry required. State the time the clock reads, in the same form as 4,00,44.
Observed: 7,34,15
